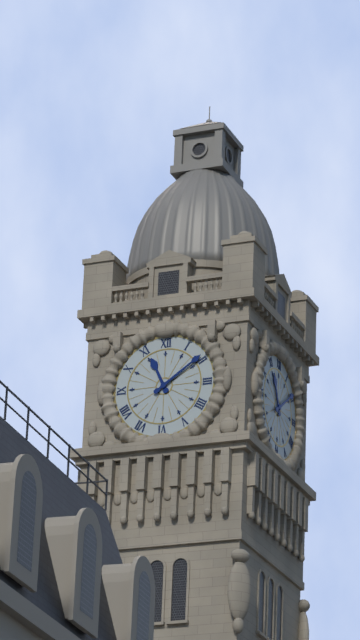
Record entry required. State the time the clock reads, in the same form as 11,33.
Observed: 11,09
